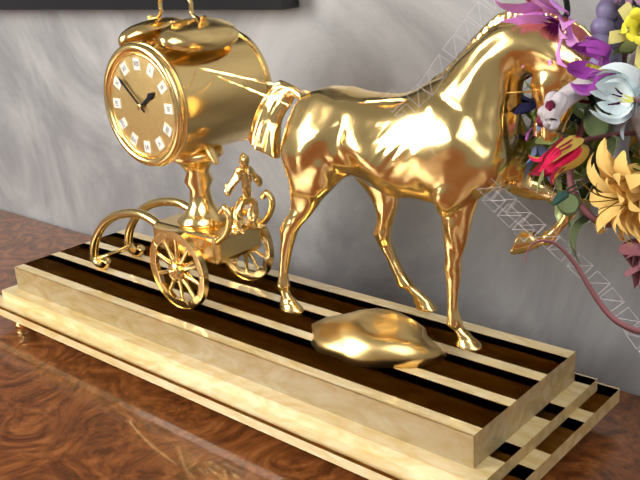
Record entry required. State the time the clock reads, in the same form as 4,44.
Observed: 1,52
